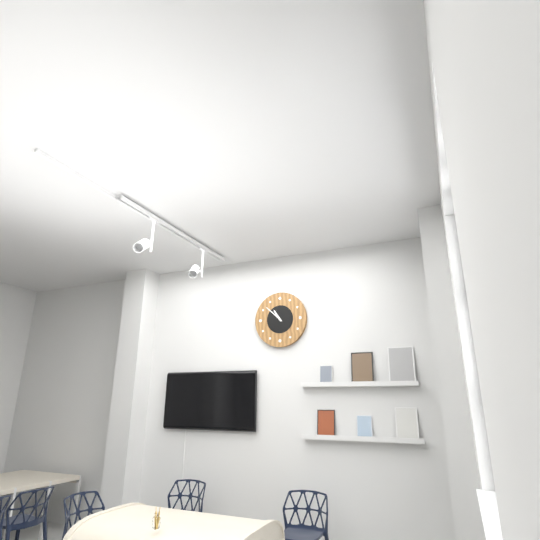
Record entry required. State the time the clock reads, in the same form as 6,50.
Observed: 10,52
